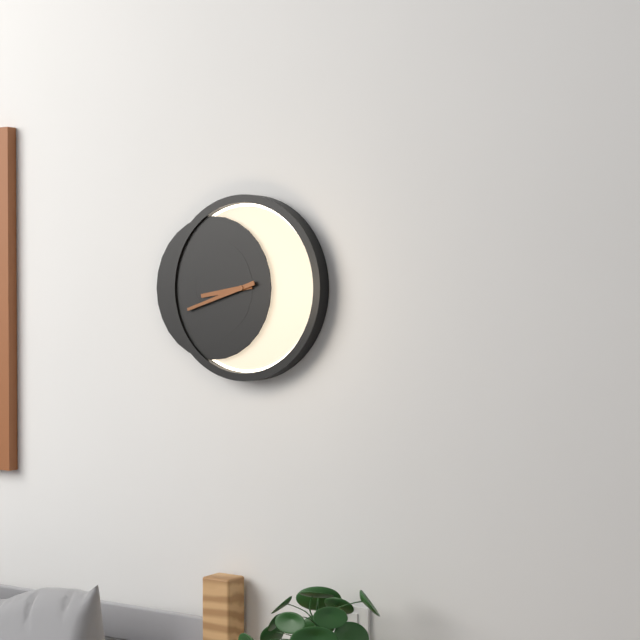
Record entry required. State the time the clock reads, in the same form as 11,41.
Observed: 8,42
